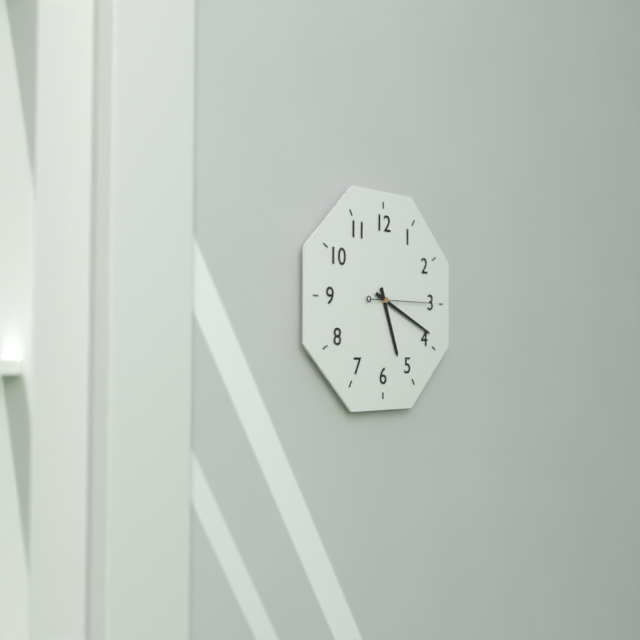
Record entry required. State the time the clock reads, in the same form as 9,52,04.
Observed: 5,19,15
